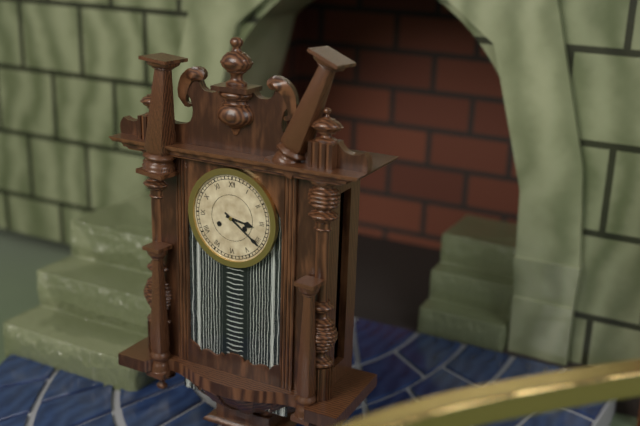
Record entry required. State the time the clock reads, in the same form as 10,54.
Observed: 3,21
